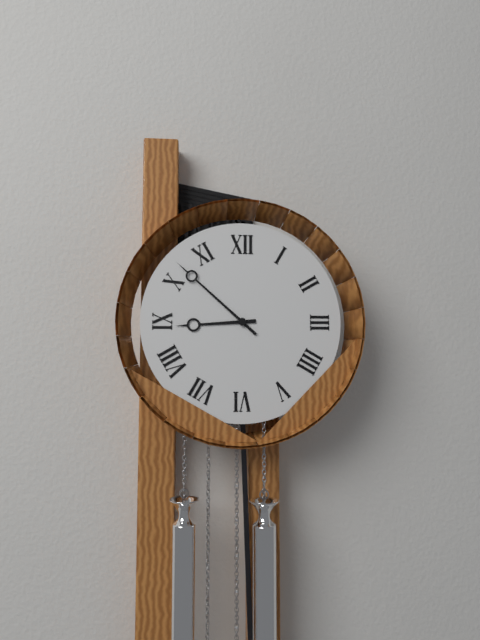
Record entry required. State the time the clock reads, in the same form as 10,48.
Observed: 8,52
